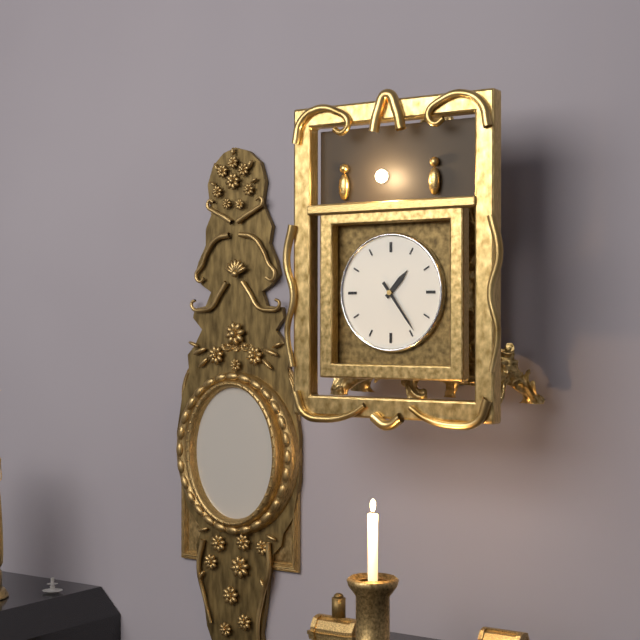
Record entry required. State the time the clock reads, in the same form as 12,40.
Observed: 1,24
